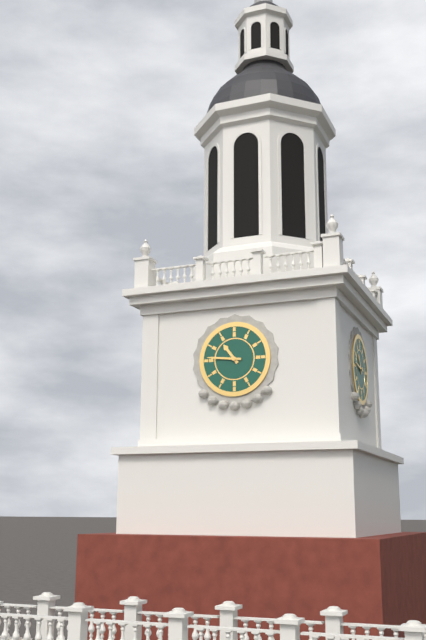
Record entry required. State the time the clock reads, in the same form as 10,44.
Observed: 10,46
